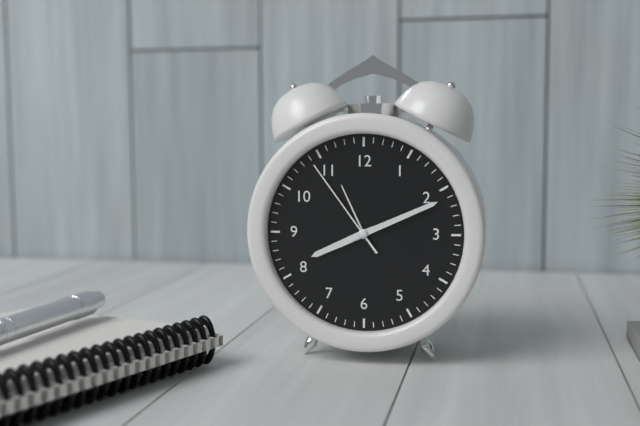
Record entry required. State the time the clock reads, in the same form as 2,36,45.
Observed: 8,11,54
